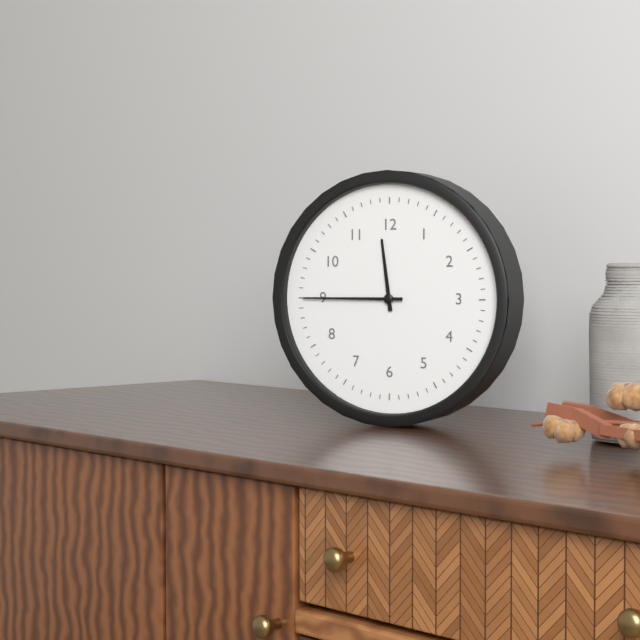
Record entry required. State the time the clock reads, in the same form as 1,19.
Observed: 11,45
